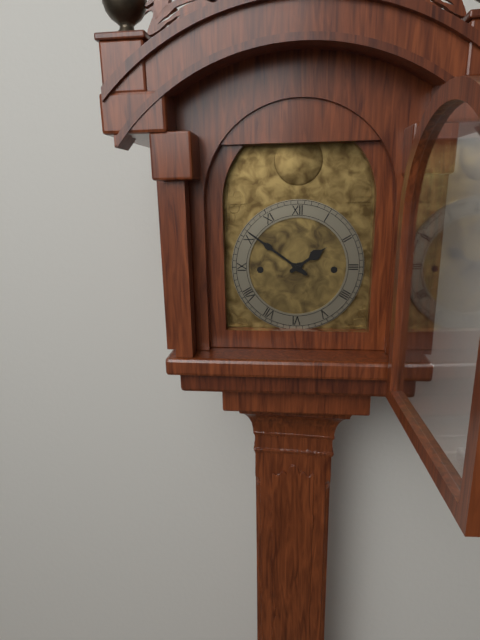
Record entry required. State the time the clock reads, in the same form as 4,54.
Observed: 1,51
